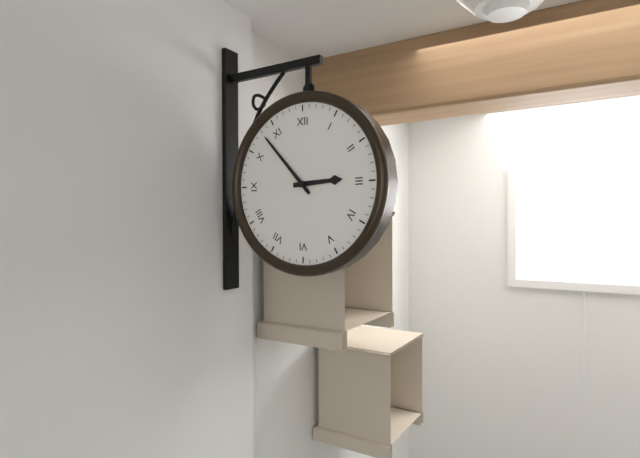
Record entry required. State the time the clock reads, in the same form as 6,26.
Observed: 2,53
